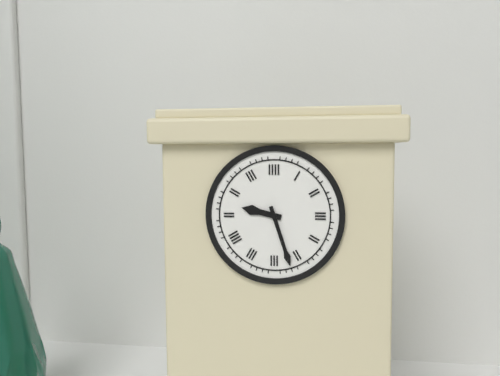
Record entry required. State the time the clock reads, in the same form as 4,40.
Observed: 9,27
